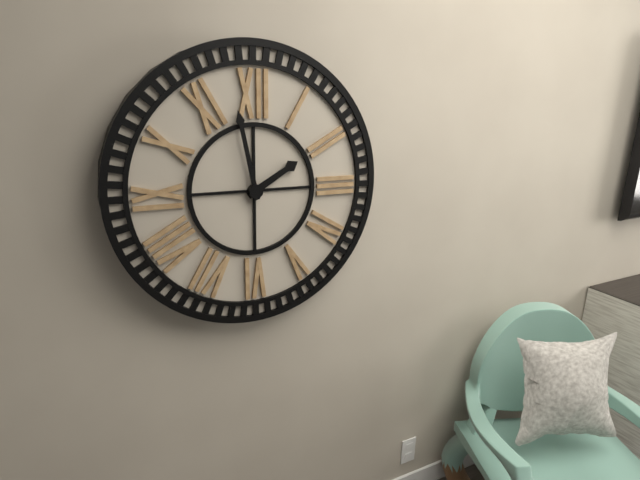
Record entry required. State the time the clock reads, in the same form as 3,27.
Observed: 1,58
